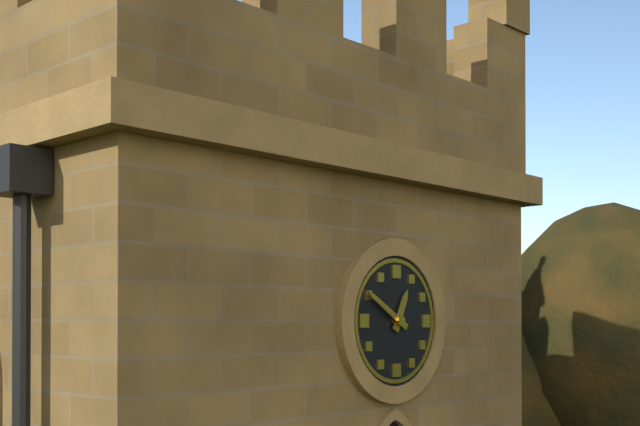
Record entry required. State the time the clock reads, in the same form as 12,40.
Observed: 12,50
